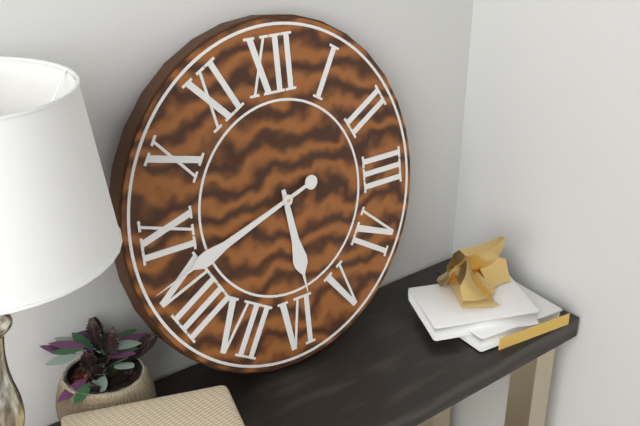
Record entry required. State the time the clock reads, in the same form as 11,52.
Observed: 5,42
